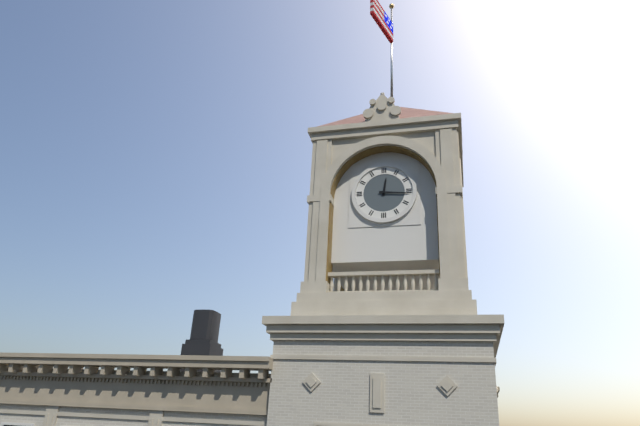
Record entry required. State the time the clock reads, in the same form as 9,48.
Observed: 12,16
